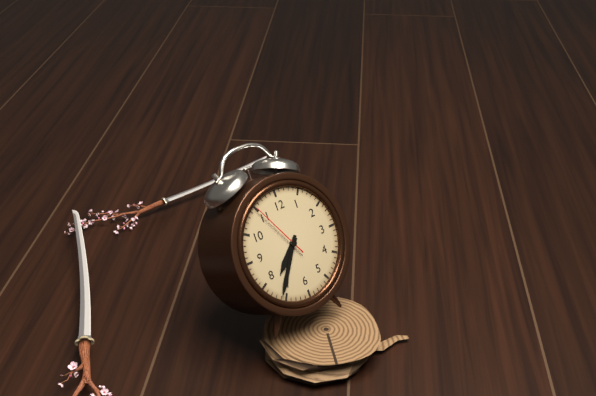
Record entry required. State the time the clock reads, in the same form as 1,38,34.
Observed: 7,36,55
